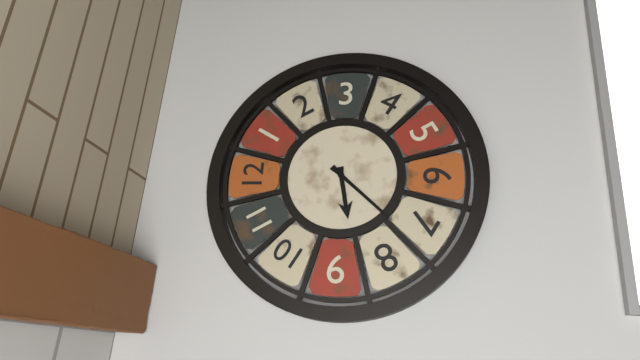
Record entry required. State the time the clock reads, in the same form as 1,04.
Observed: 8,37
